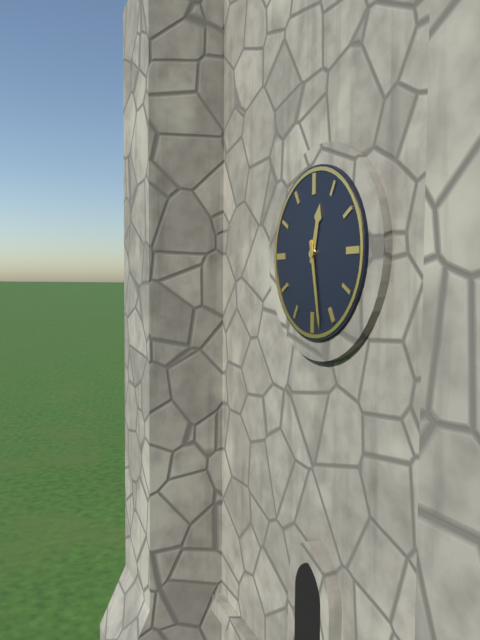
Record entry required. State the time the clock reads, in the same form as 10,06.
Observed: 12,28
